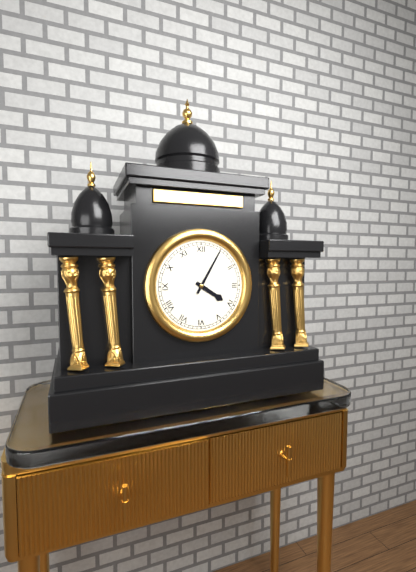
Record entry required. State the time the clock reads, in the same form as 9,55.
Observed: 4,05
